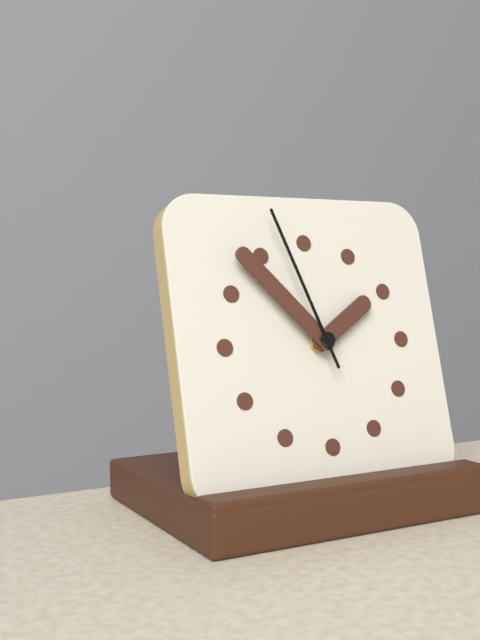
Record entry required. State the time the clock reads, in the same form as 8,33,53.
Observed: 1,53,57
